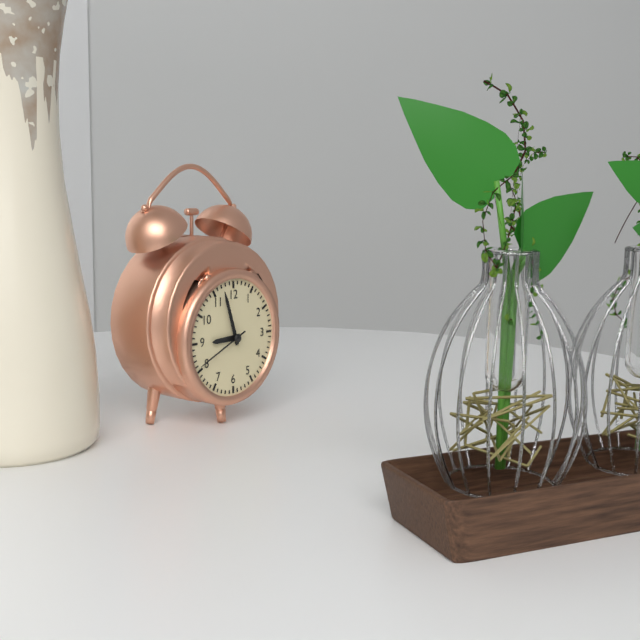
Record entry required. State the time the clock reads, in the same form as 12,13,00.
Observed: 8,57,41
